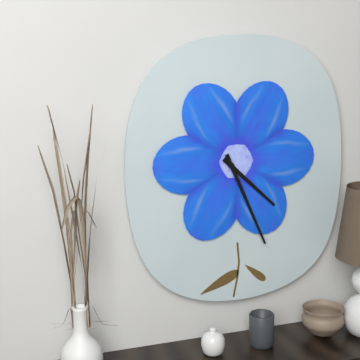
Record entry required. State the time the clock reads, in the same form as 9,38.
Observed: 4,26
